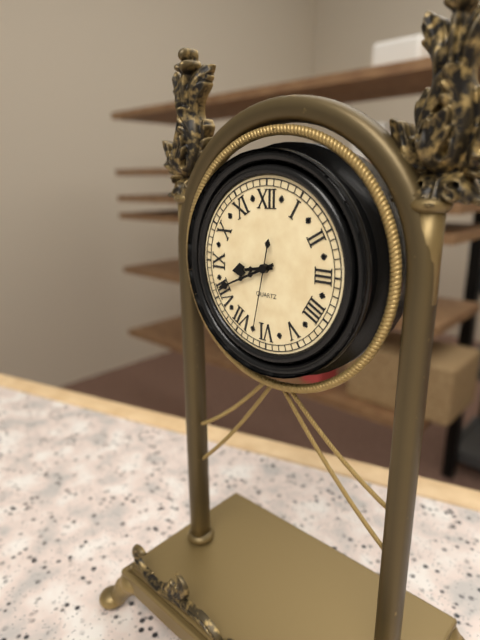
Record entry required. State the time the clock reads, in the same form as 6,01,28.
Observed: 8,41,32
